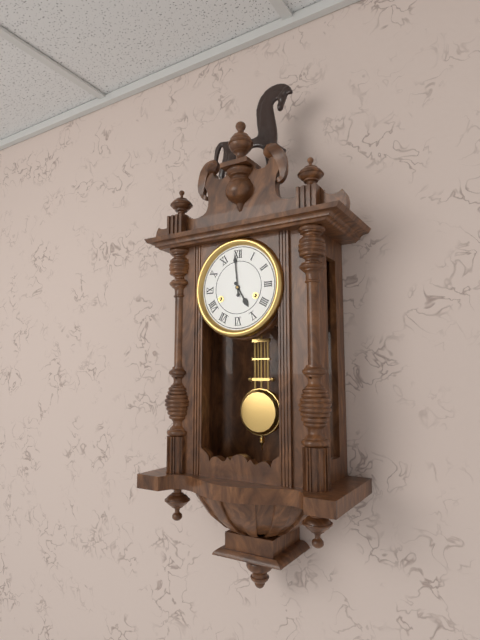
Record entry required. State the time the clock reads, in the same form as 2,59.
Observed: 4,59
